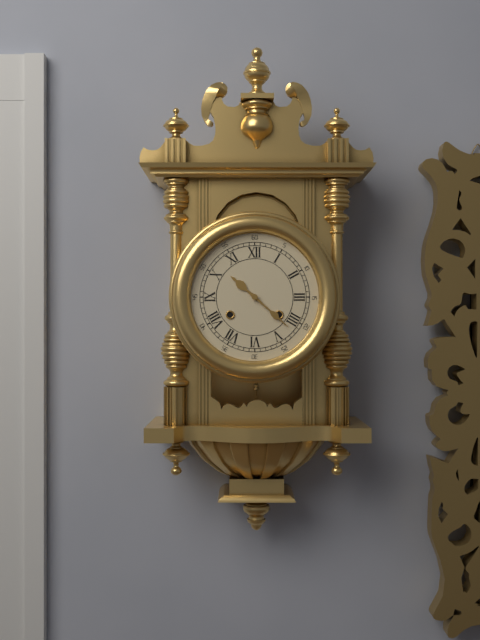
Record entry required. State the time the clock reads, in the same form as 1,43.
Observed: 10,22
